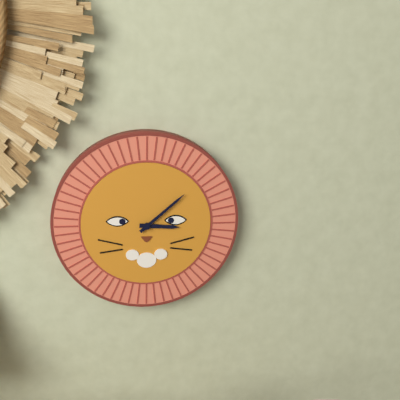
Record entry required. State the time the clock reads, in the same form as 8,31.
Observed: 3,08
